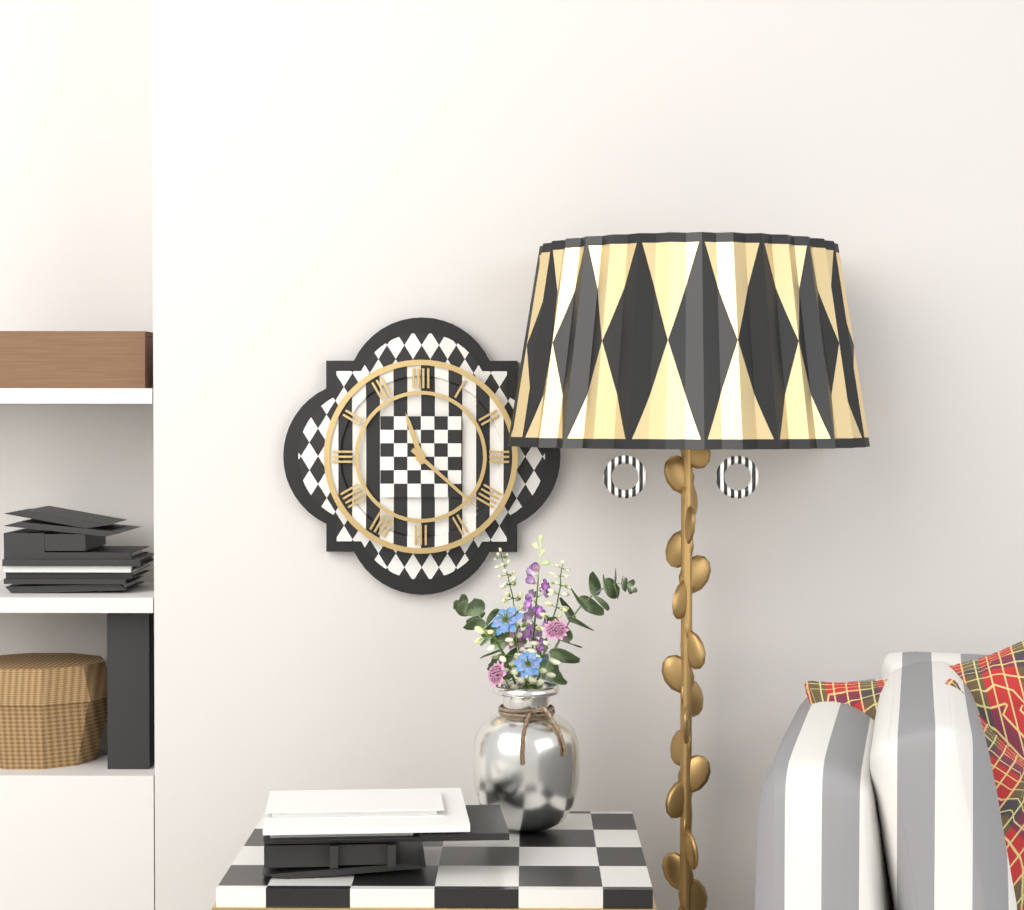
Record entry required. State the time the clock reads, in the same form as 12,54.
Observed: 11,22
